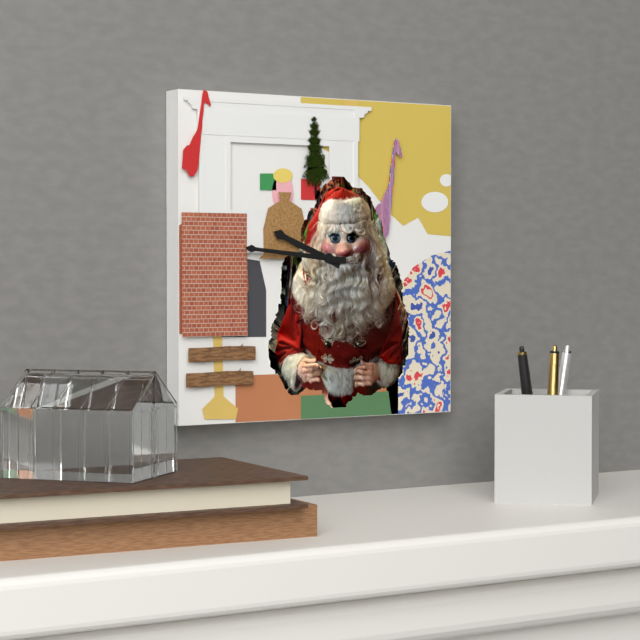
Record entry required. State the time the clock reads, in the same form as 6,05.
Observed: 9,46
